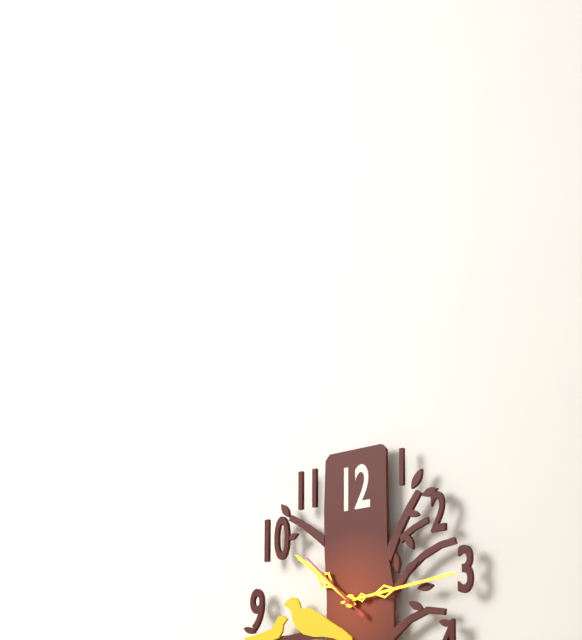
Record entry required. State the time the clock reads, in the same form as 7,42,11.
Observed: 10,14,52
